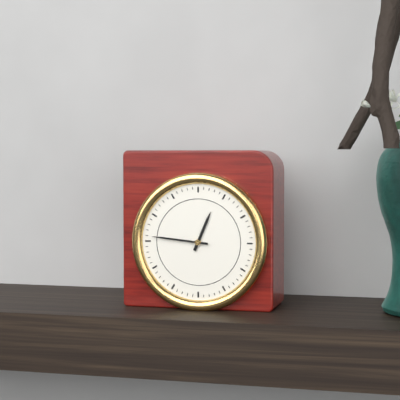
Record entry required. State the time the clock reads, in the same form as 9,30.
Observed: 12,46
